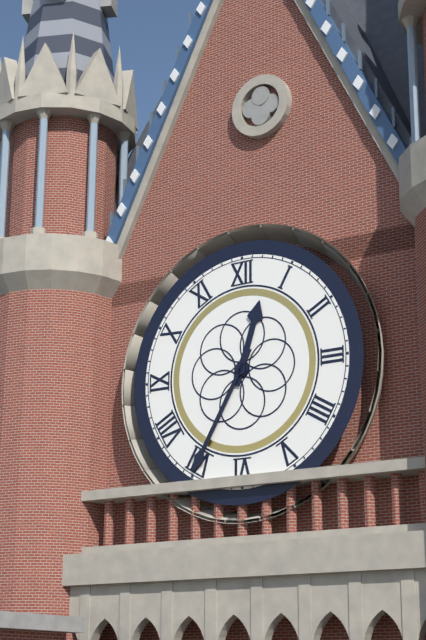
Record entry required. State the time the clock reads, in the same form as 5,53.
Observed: 12,35
